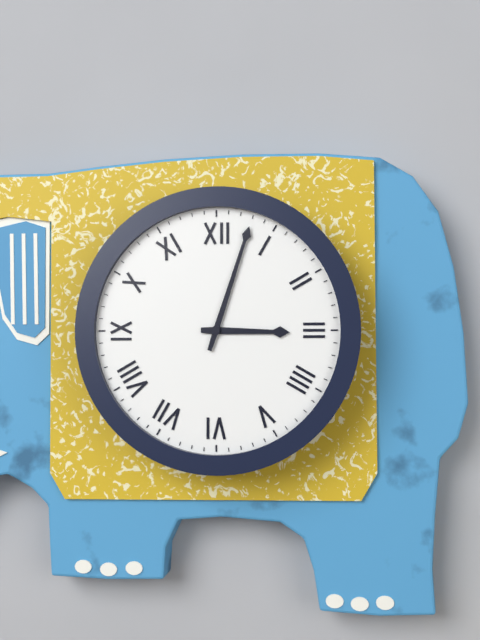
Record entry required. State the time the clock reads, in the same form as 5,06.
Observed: 3,03
